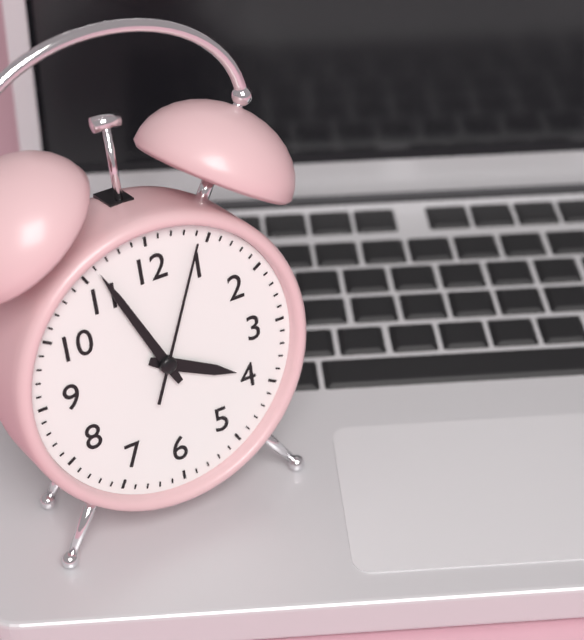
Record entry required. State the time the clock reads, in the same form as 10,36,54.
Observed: 3,56,04
